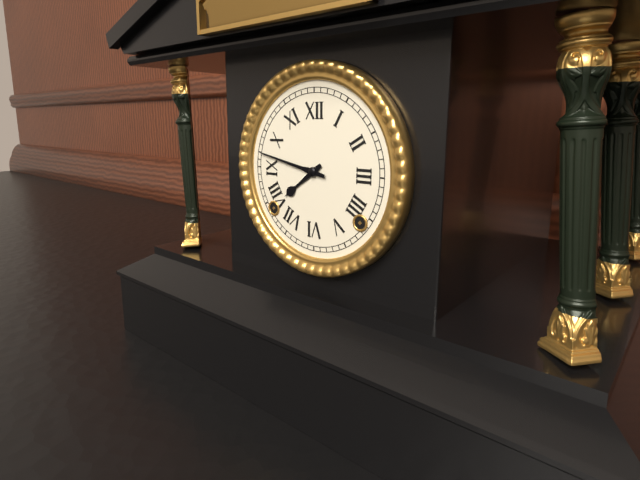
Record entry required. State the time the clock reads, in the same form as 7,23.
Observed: 7,47
